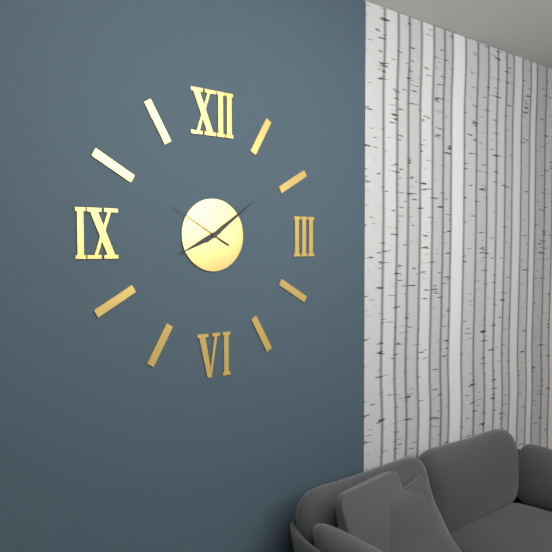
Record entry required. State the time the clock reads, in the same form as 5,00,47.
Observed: 8,09,50
